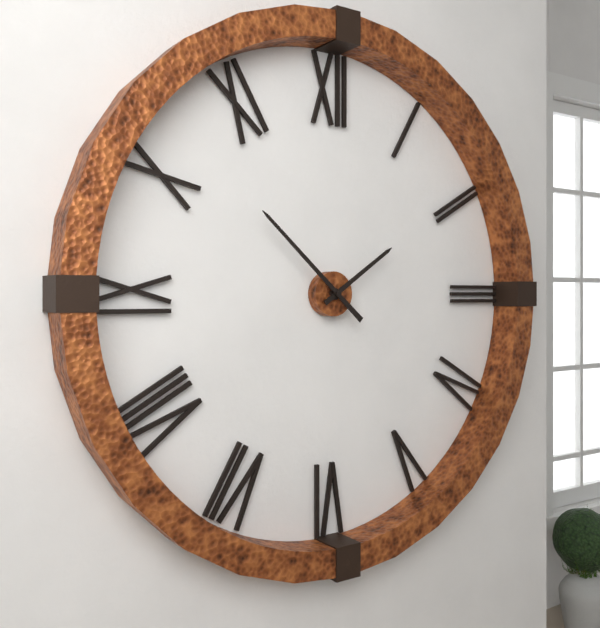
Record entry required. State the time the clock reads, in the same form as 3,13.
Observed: 1,52
